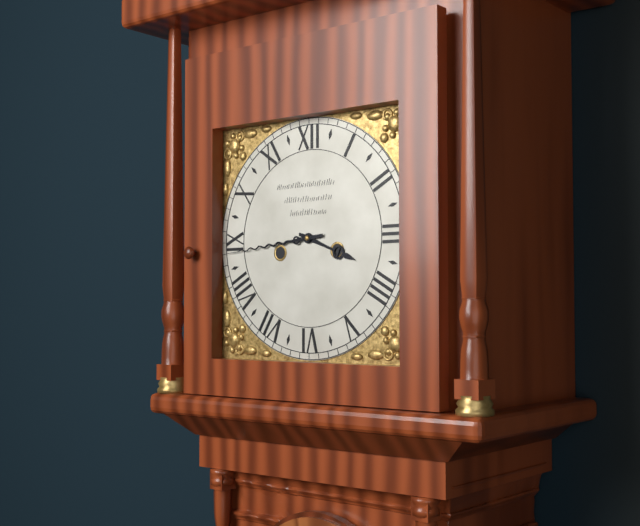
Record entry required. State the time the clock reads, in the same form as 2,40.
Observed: 3,44
